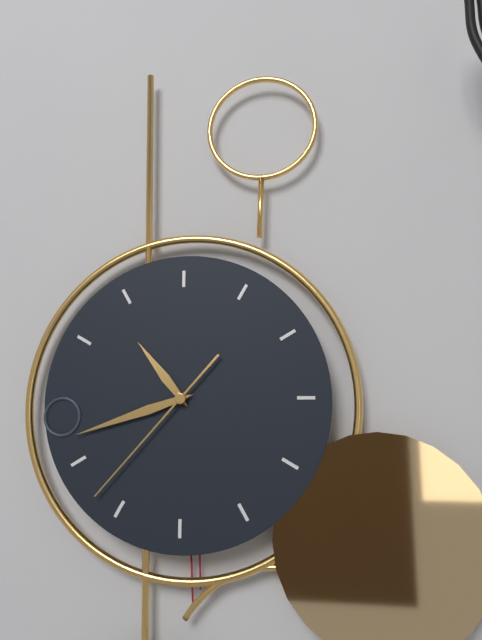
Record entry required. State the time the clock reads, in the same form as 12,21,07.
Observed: 10,42,37
